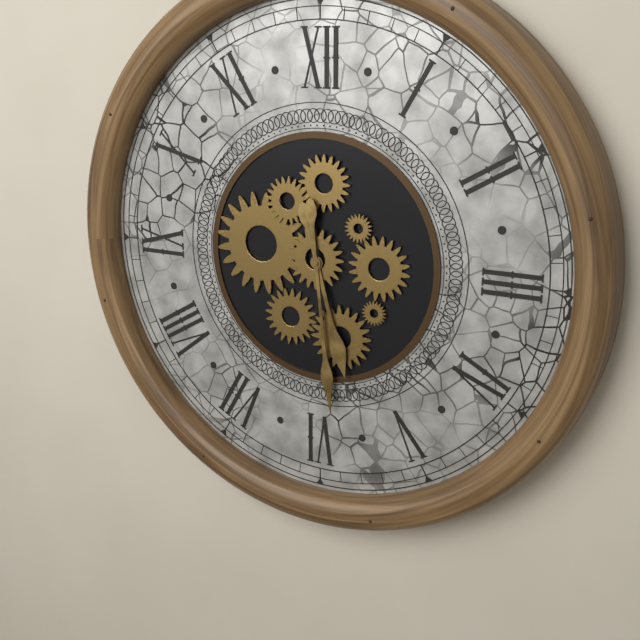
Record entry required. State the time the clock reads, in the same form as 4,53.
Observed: 5,29
